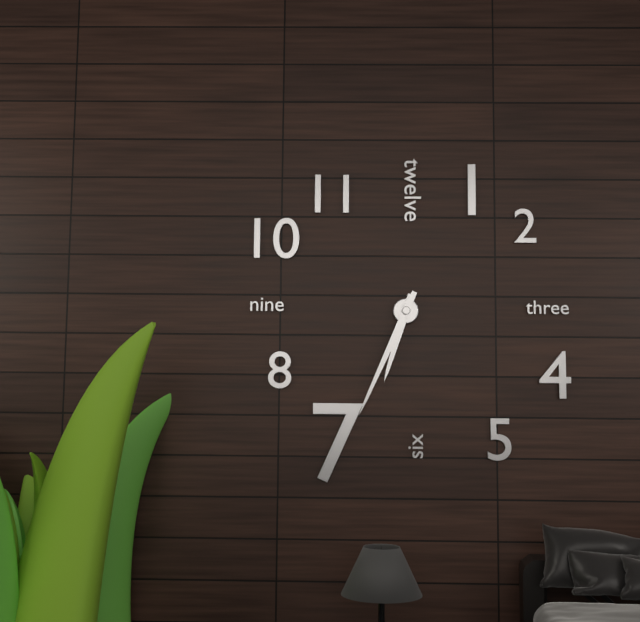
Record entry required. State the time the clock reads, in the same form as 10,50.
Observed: 6,34
